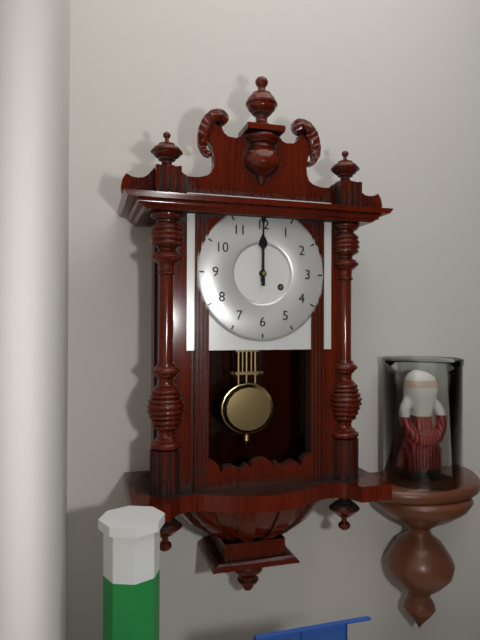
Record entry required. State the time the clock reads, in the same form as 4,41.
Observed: 12,00
